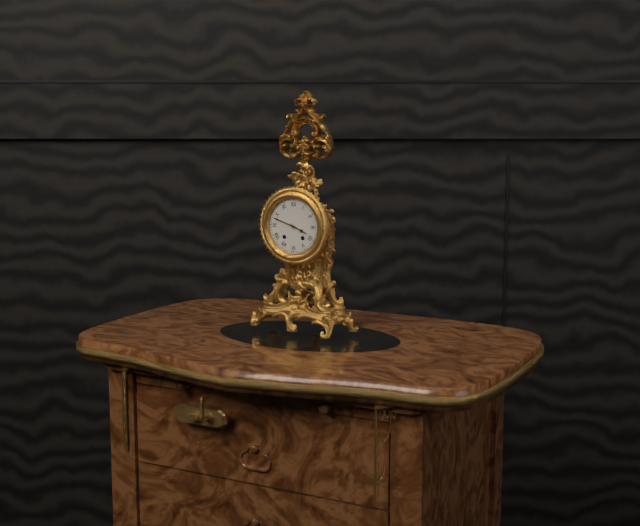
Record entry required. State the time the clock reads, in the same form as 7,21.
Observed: 3,48
